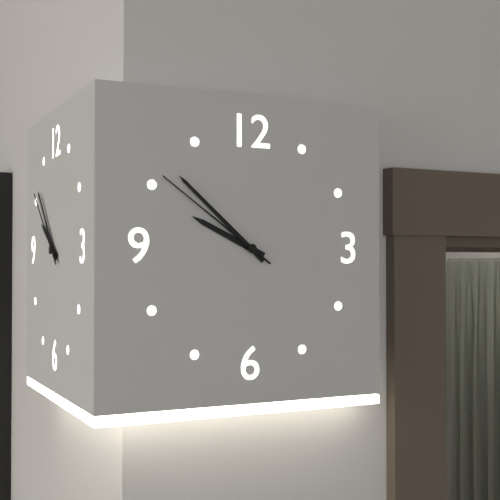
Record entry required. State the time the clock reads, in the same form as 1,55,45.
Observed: 9,52,51
